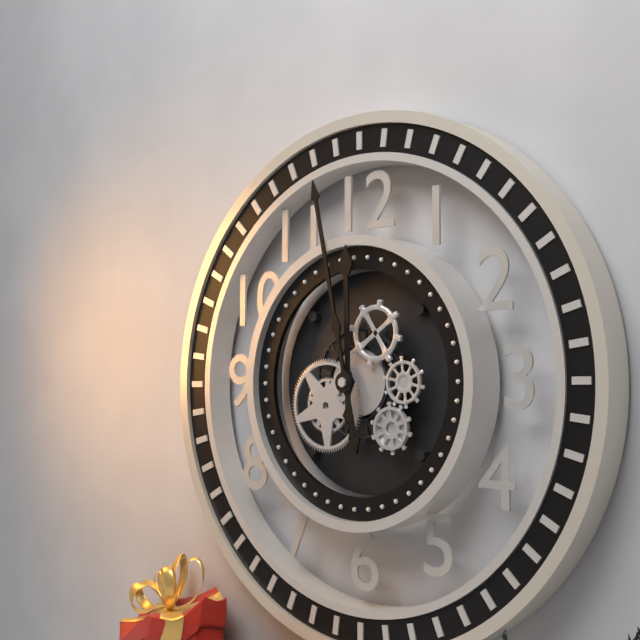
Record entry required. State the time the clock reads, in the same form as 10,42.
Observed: 11,58
